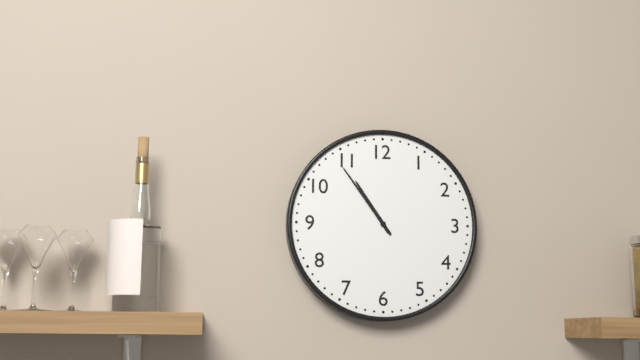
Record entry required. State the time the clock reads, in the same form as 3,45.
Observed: 10,54
